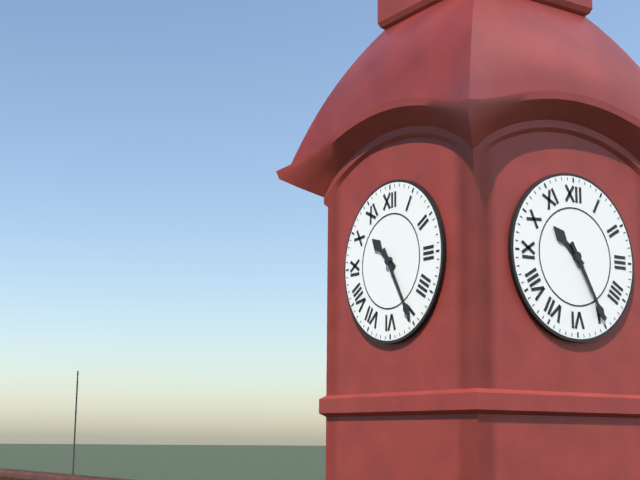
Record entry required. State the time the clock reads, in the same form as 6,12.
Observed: 10,25
